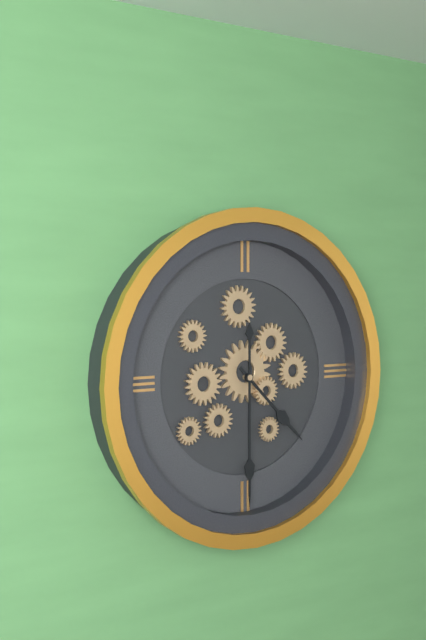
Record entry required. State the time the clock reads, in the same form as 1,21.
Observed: 4,30
